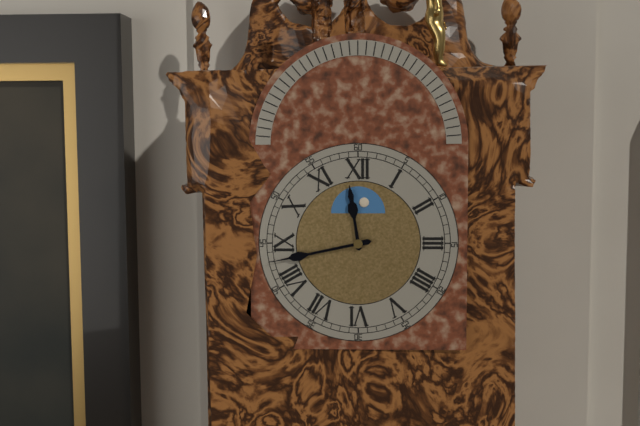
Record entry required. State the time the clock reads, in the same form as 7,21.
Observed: 11,43
